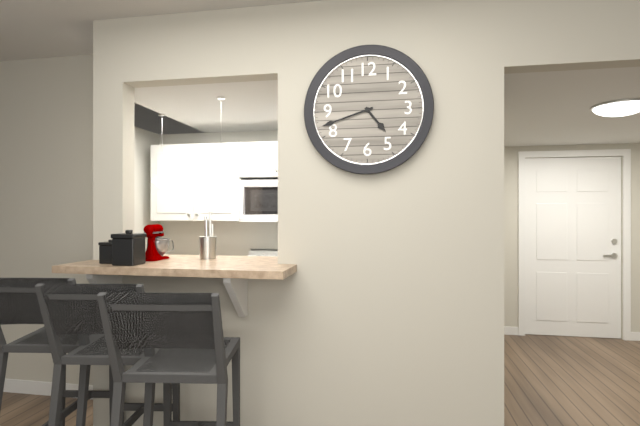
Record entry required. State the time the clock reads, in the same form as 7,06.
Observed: 4,42
